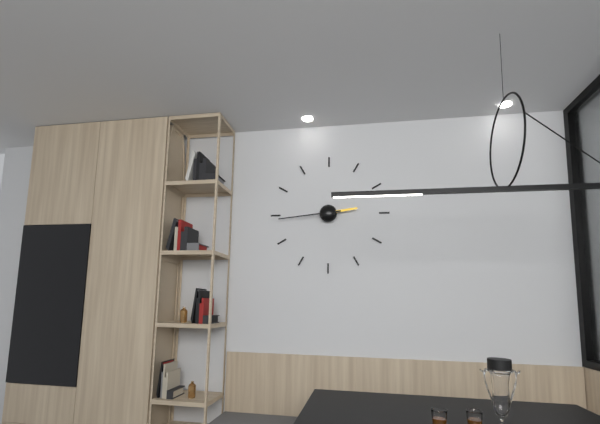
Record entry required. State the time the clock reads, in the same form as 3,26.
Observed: 2,44
